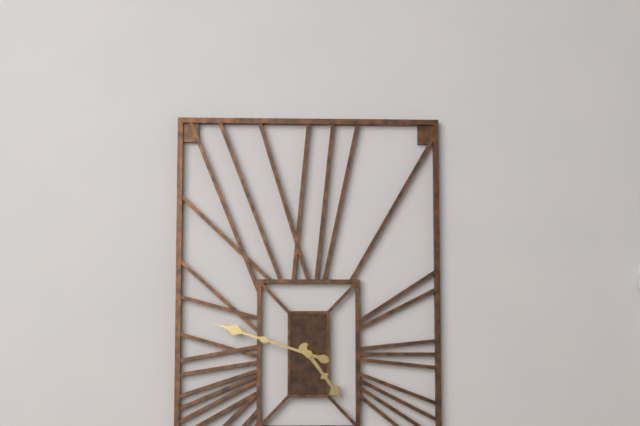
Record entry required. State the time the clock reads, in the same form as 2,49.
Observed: 4,48
